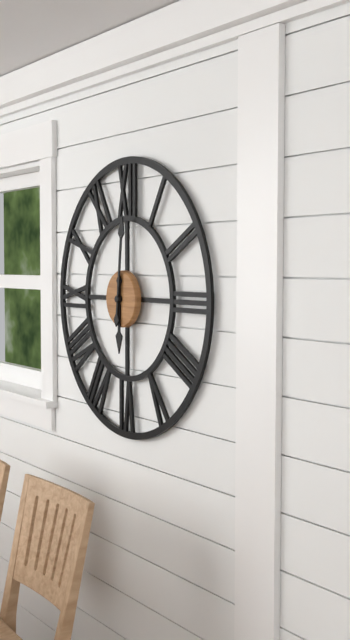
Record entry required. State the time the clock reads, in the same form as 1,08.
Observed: 6,01
